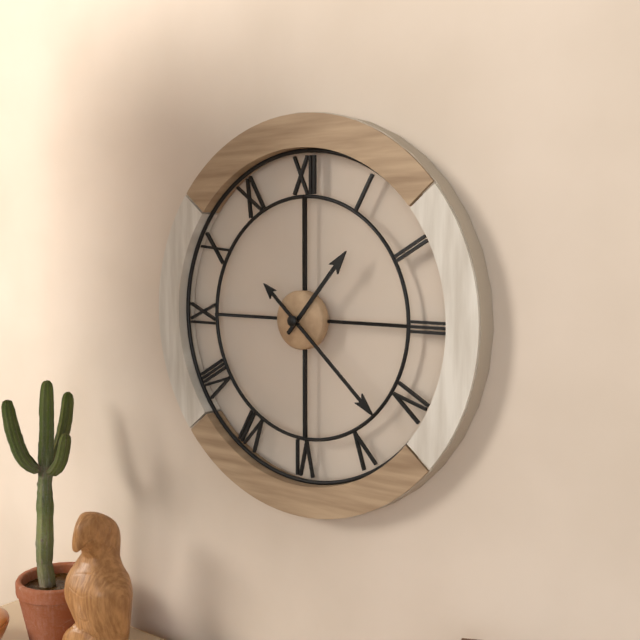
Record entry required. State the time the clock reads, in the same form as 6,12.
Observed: 1,22
